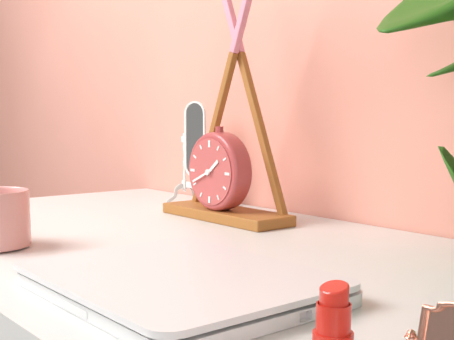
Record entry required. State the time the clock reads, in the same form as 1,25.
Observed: 1,41
